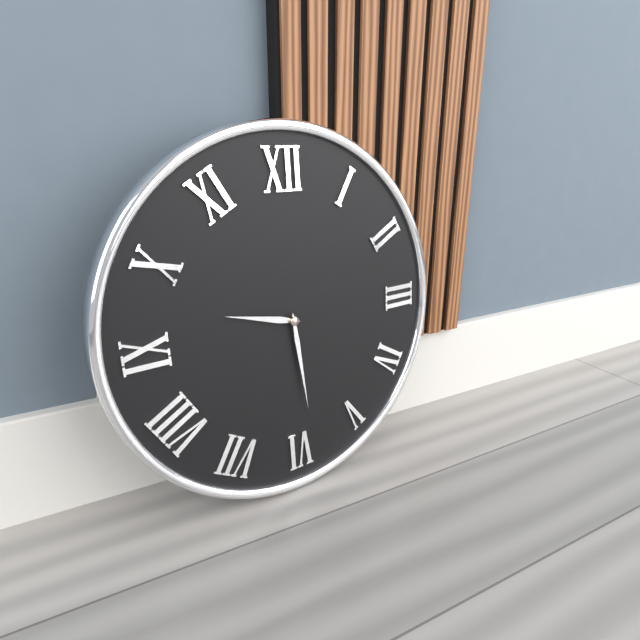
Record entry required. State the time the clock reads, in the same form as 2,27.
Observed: 9,29
